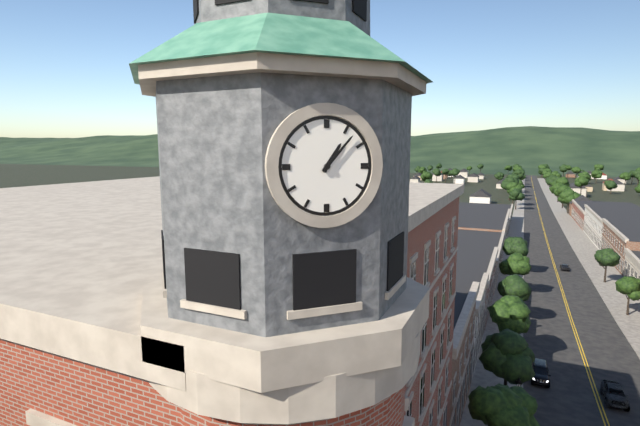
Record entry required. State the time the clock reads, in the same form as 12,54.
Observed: 1,07
